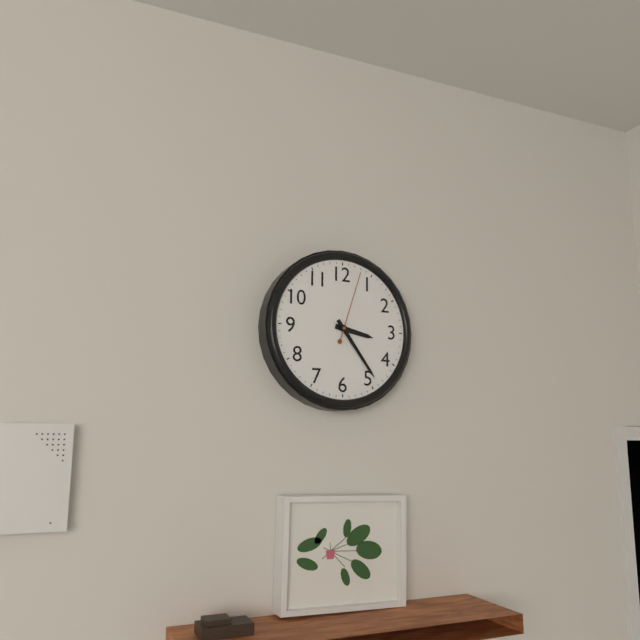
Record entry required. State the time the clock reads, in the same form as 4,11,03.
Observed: 3,24,03
